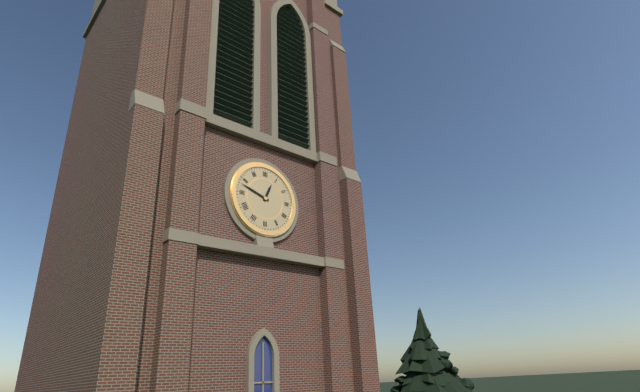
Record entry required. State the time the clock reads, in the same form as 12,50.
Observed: 12,48
